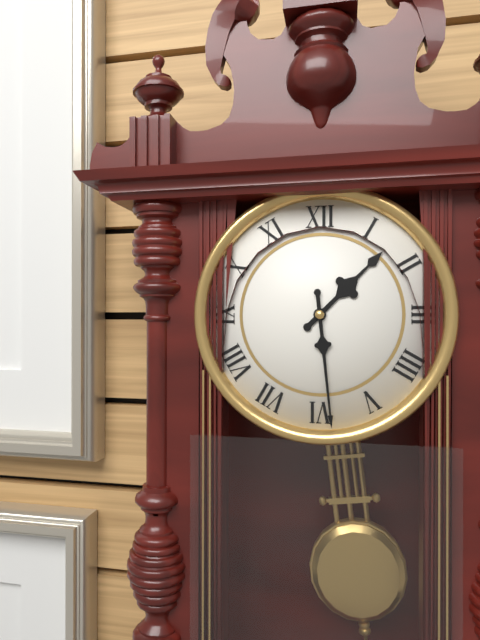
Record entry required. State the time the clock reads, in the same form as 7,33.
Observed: 1,29
